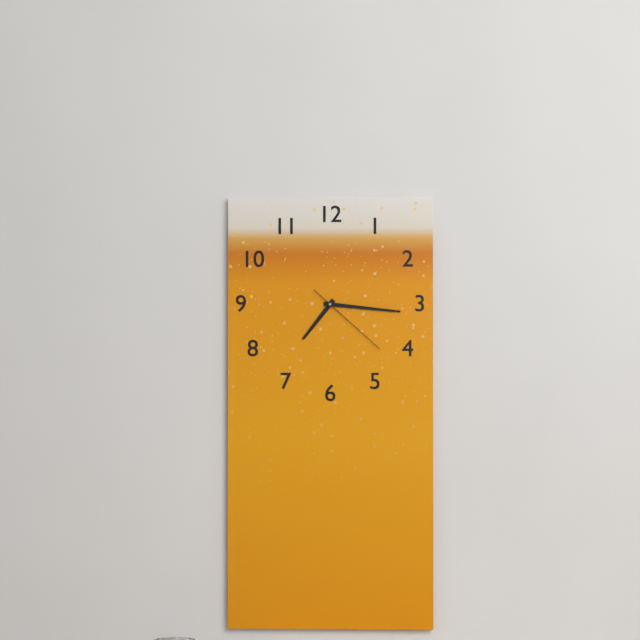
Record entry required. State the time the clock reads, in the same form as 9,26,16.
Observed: 7,16,22
